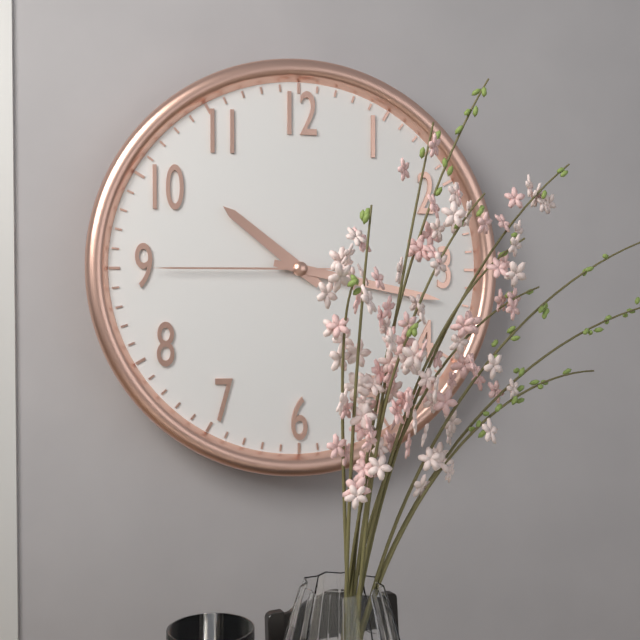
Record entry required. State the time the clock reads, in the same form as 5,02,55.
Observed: 10,17,45
